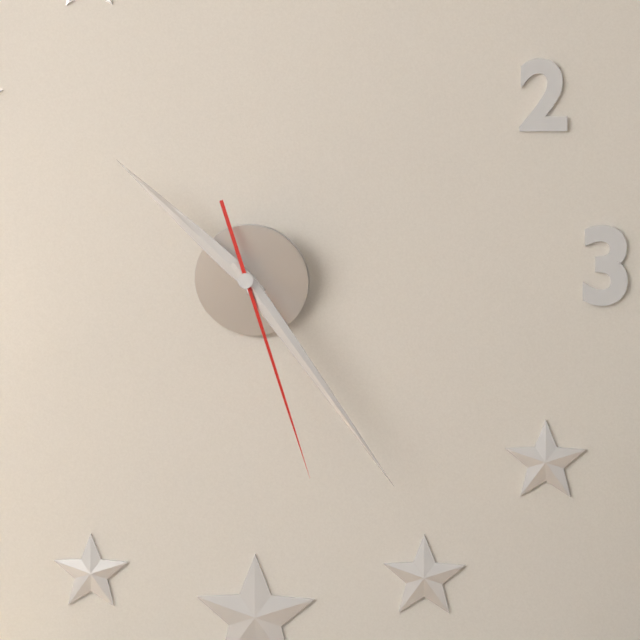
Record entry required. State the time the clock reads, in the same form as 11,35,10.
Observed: 10,24,27
